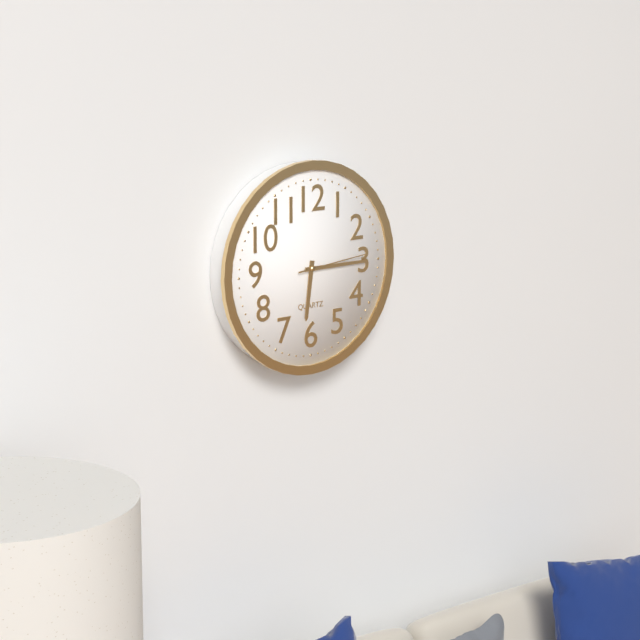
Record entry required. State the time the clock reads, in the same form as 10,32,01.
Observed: 6,15,14
